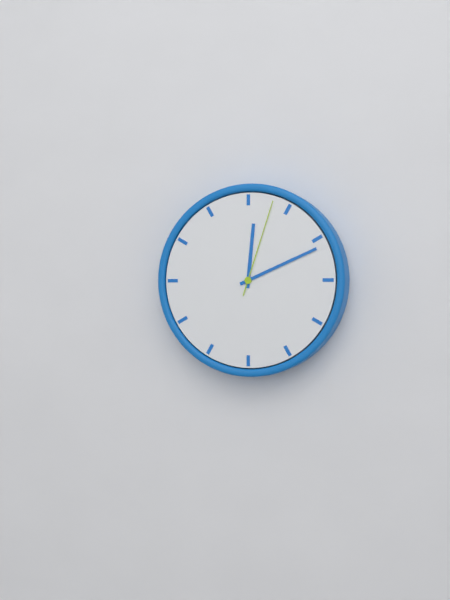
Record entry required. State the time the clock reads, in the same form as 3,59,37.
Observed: 12,11,03
